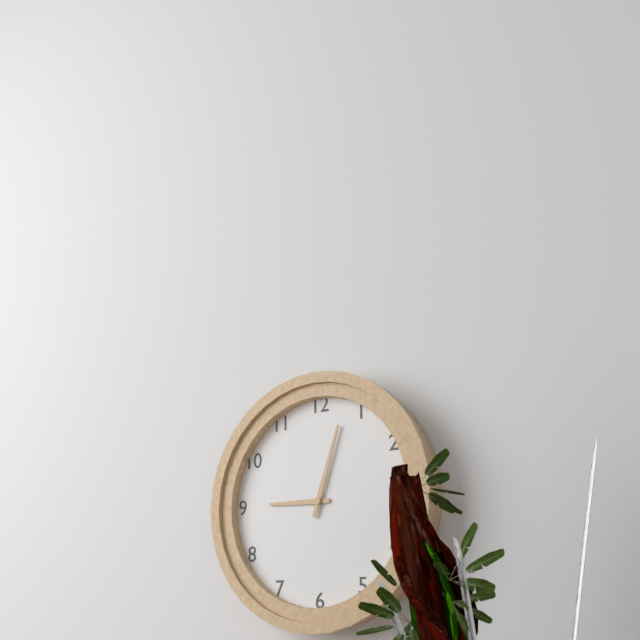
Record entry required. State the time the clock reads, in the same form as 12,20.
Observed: 9,03
